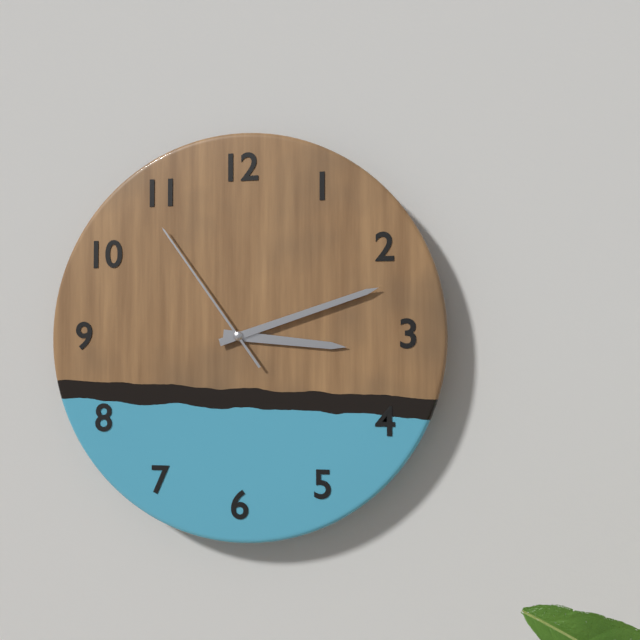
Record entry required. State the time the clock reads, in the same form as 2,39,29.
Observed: 3,12,54
